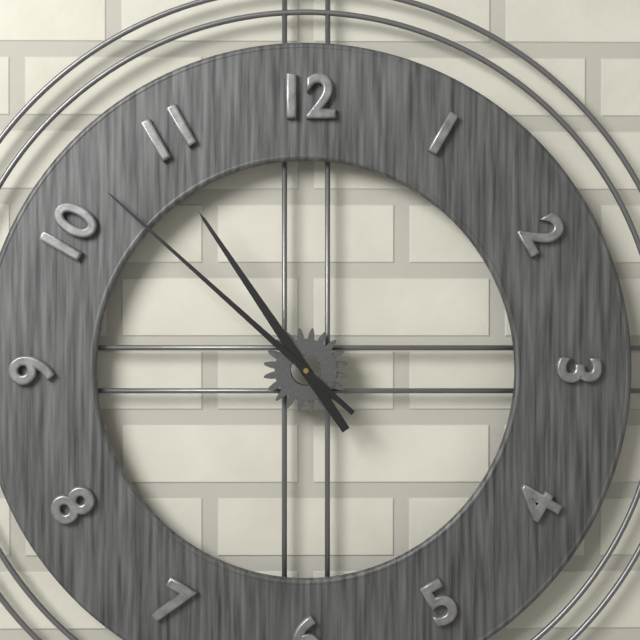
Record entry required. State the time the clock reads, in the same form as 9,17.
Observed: 10,52
